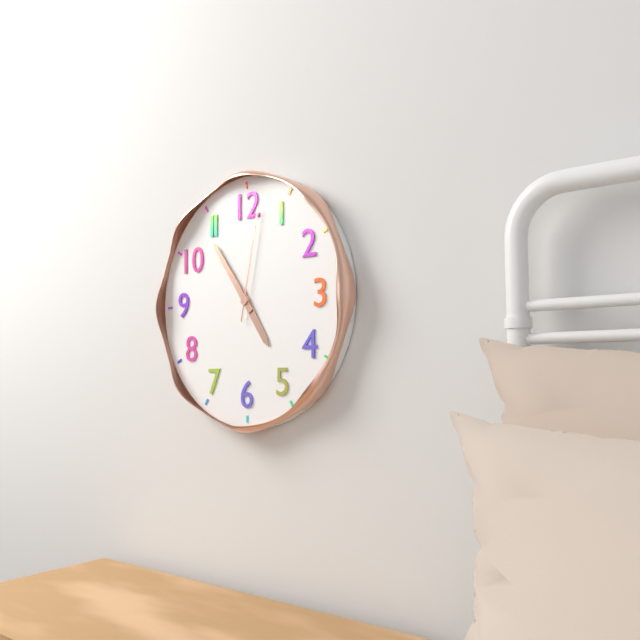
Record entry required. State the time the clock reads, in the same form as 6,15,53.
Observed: 4,54,02
